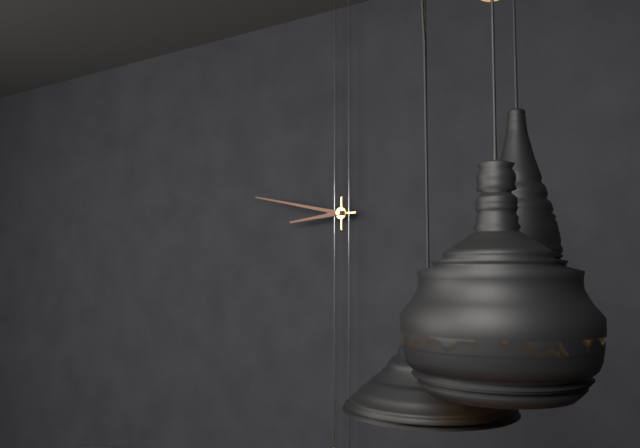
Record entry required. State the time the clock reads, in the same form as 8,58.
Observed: 8,47
